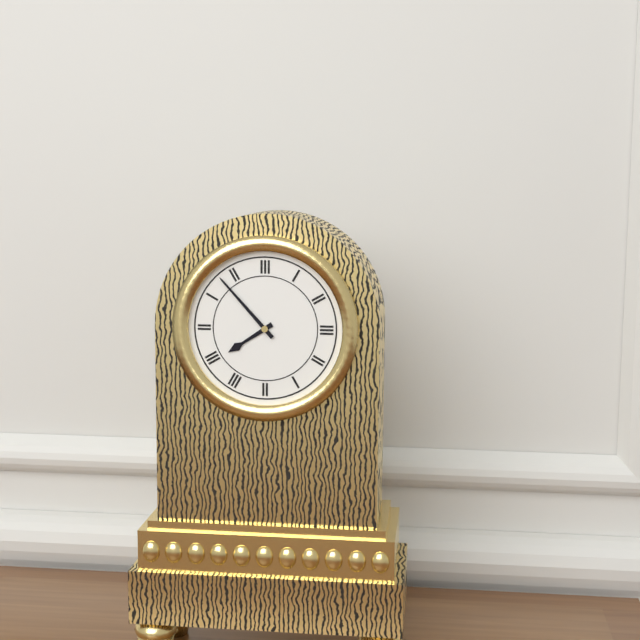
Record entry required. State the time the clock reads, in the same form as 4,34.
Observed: 7,53
